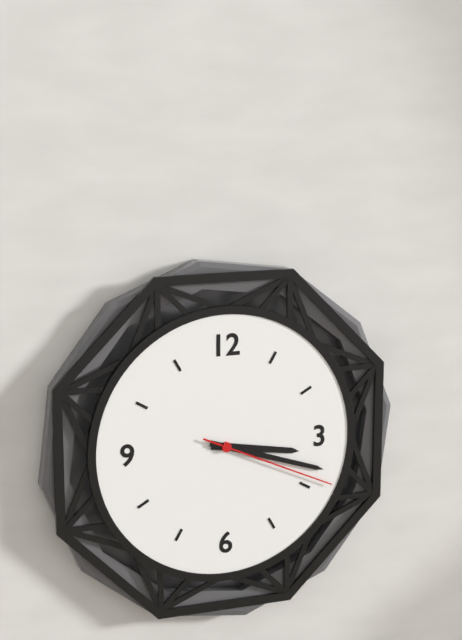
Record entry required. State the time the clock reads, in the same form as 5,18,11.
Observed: 3,18,19
